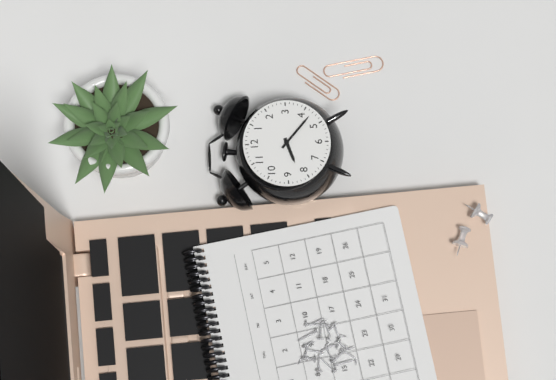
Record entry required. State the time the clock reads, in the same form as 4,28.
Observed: 8,22
